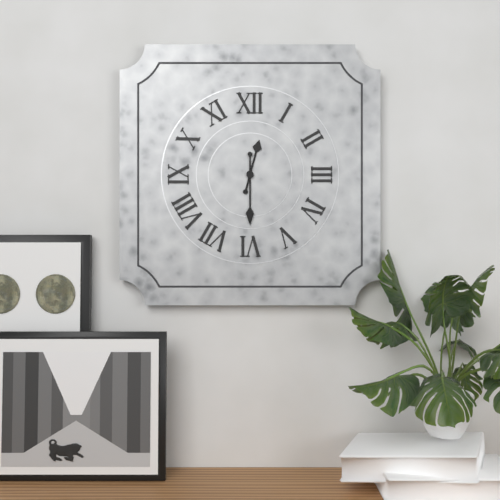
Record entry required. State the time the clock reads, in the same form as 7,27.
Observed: 12,30
